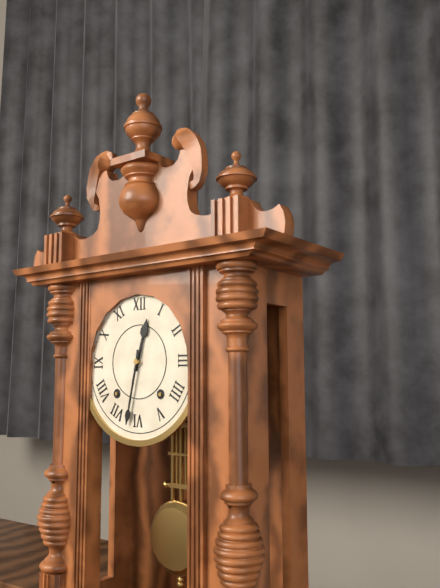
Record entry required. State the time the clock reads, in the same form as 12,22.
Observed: 12,32
